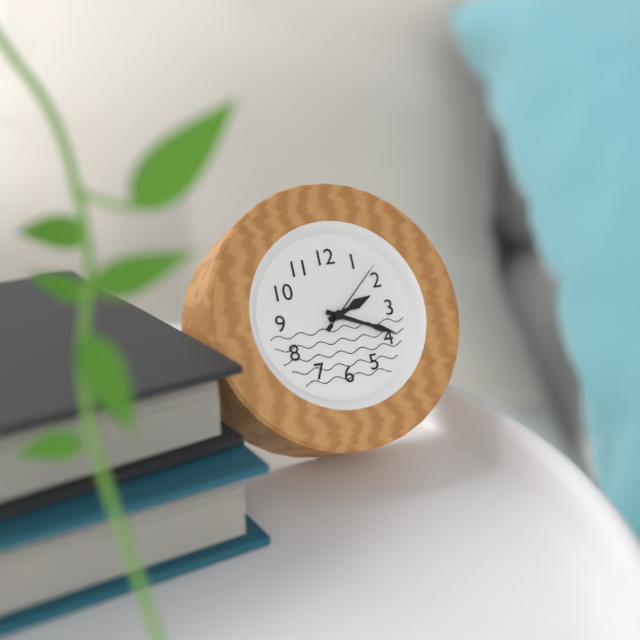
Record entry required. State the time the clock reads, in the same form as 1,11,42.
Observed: 2,19,08
